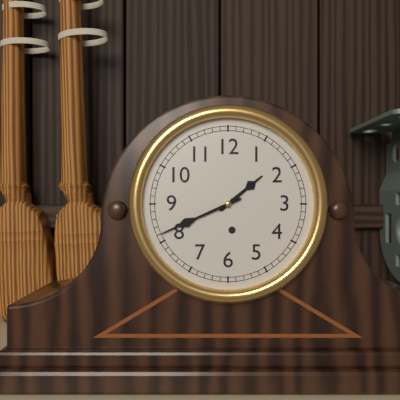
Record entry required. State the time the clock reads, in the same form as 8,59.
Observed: 1,41
